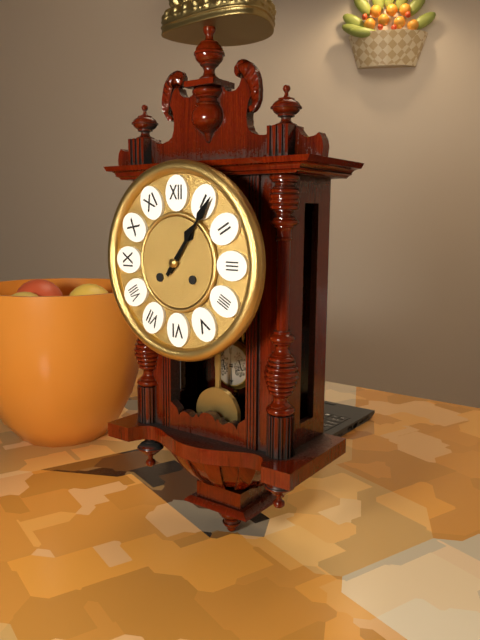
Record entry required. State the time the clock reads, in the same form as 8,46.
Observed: 1,06
